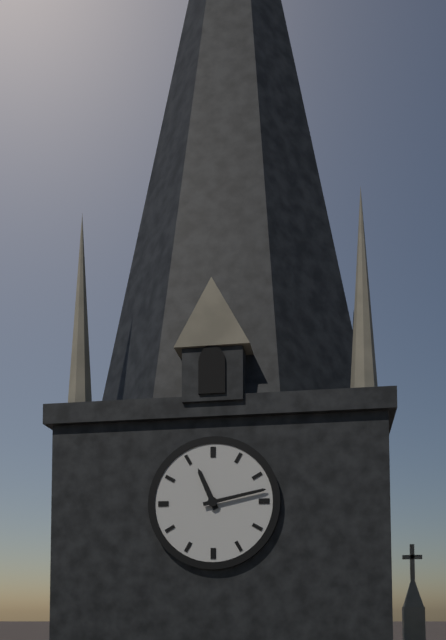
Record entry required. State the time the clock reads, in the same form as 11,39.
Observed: 11,13
